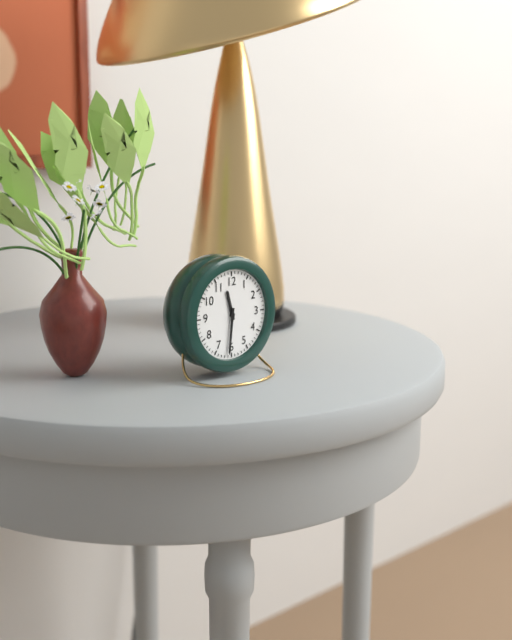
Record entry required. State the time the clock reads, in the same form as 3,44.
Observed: 11,31
